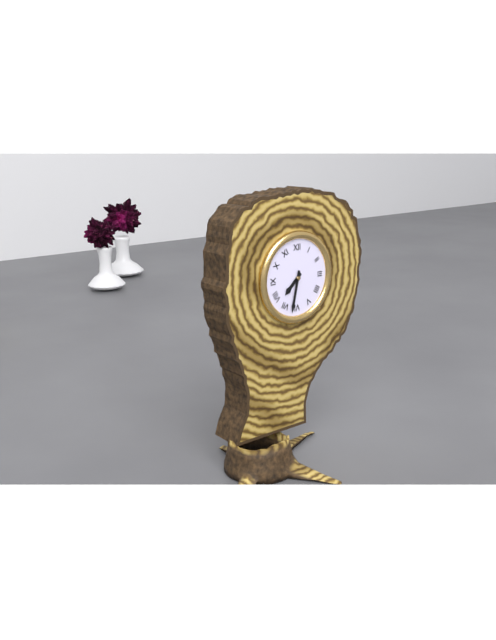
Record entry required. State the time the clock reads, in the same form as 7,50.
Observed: 7,32
